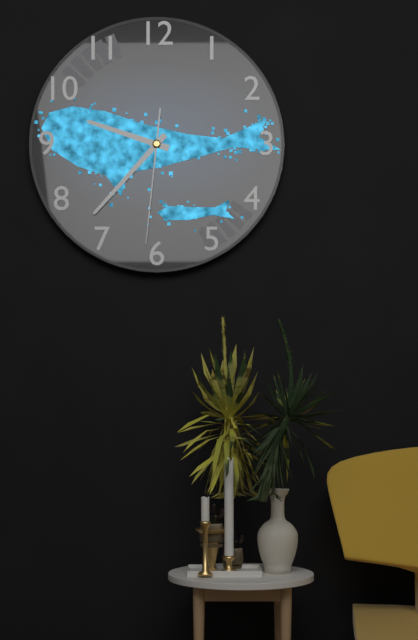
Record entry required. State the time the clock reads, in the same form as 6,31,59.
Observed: 9,37,31
